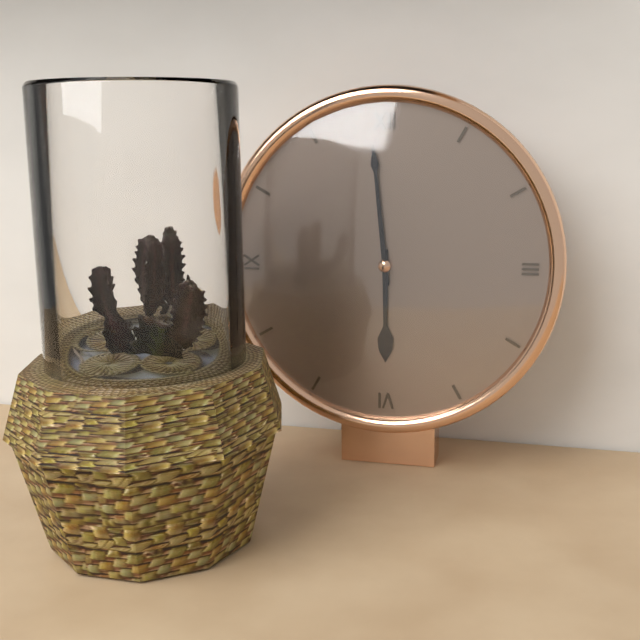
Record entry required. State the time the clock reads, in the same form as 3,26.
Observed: 5,59
